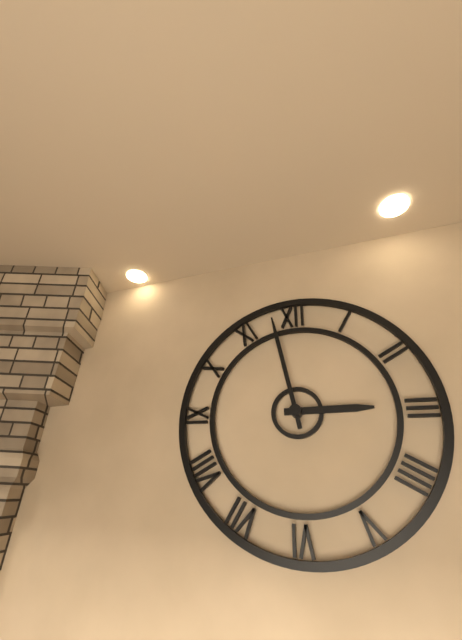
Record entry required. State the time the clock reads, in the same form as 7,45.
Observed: 2,58
